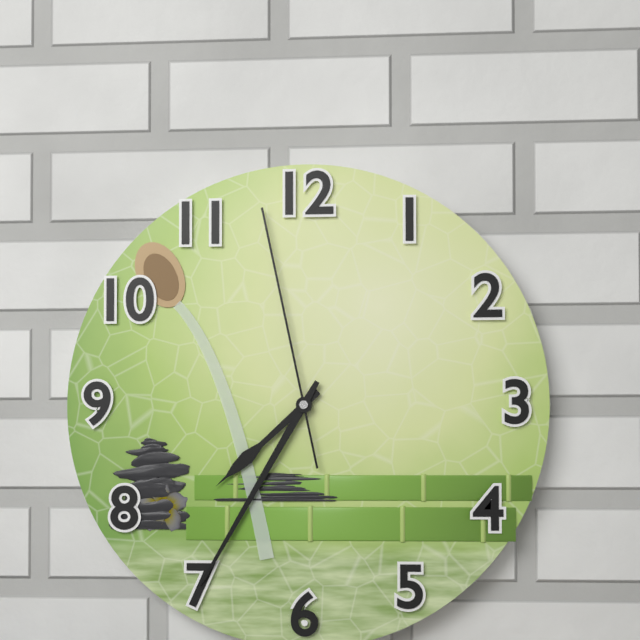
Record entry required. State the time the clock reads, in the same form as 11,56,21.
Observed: 7,35,58
